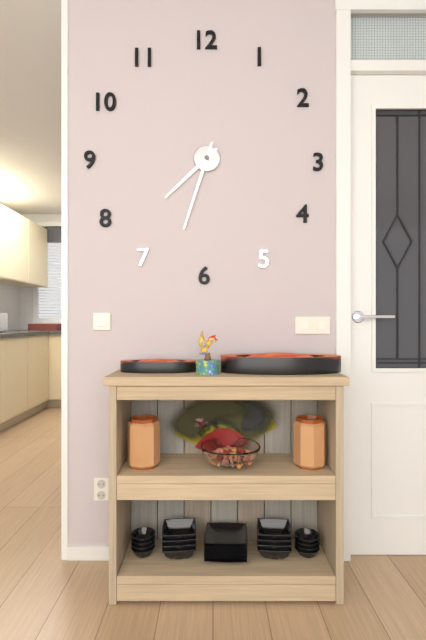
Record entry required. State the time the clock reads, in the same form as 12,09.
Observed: 7,33
